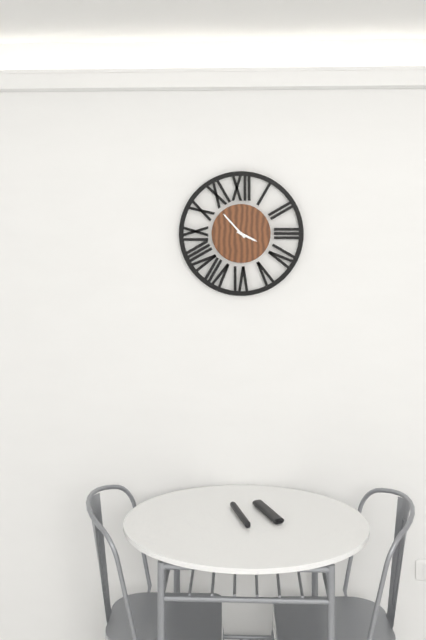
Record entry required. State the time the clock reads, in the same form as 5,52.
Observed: 3,53
